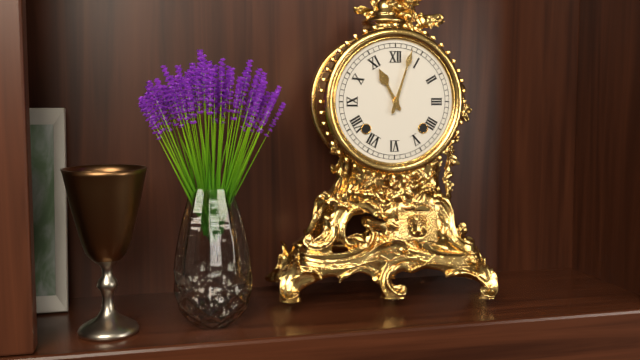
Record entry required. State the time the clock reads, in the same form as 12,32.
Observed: 11,03
